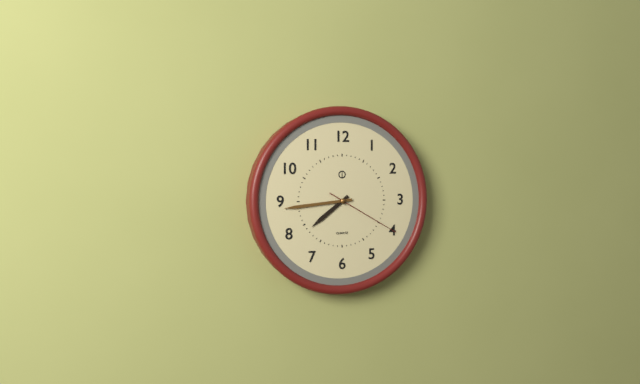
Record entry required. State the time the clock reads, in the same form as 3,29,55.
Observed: 7,44,20
